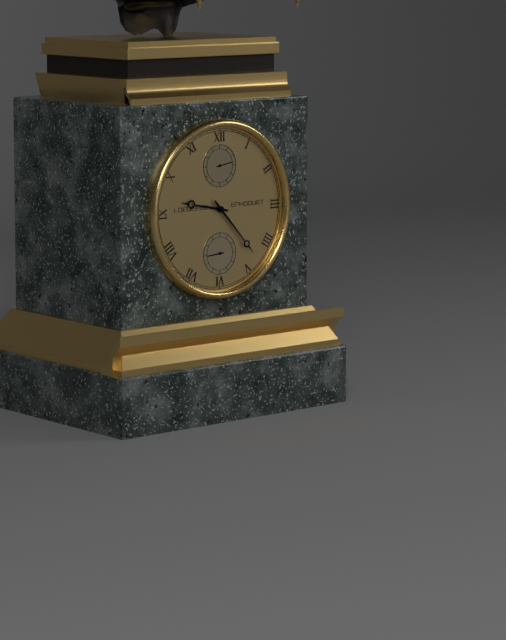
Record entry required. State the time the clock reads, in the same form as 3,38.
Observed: 9,23
